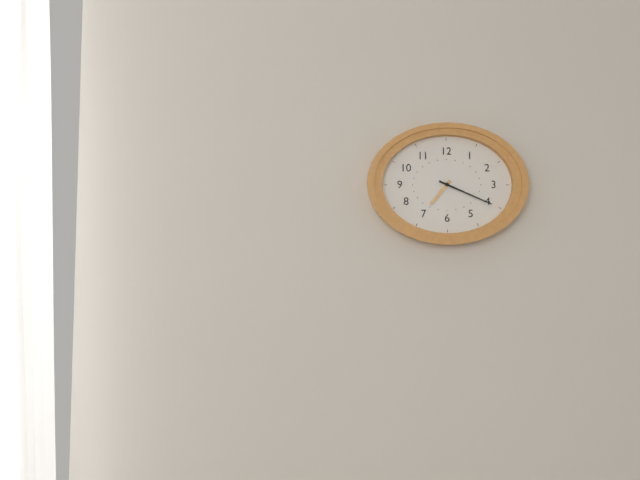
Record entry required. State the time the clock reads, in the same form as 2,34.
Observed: 7,19
